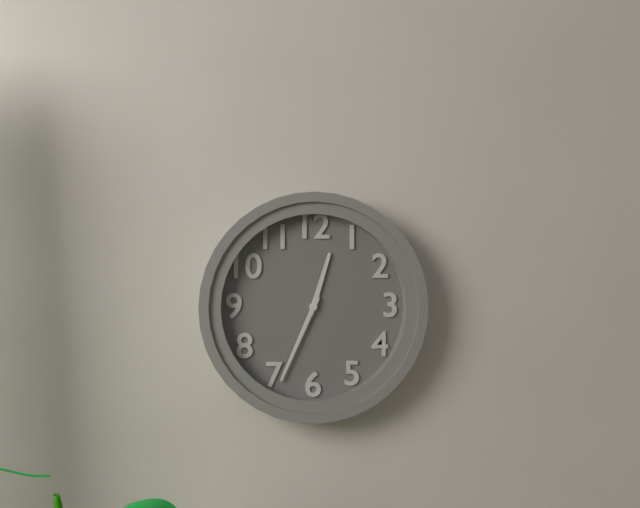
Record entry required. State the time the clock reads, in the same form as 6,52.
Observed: 12,34
